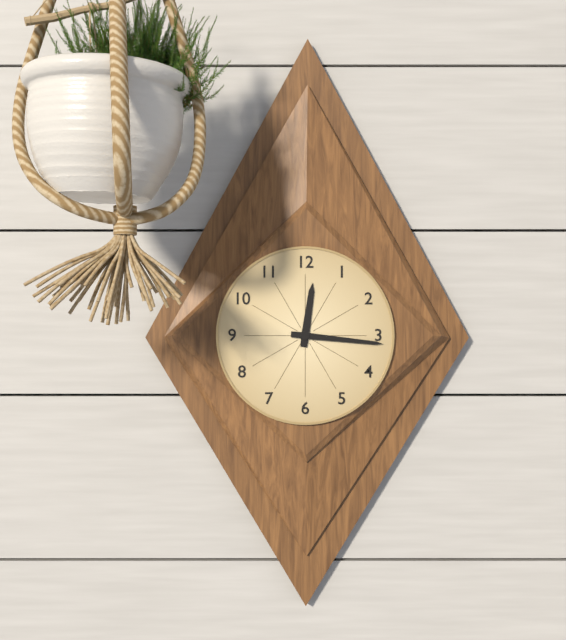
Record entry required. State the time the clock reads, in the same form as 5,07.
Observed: 12,16
